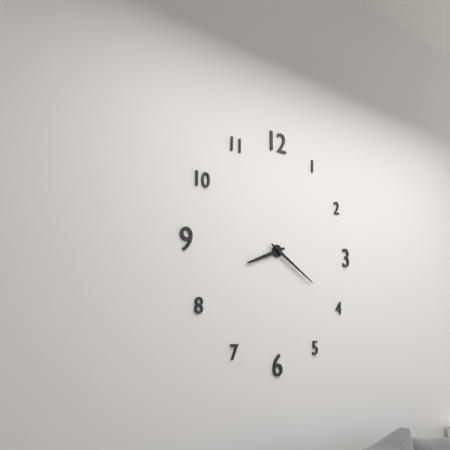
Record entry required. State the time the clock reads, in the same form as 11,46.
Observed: 8,20
